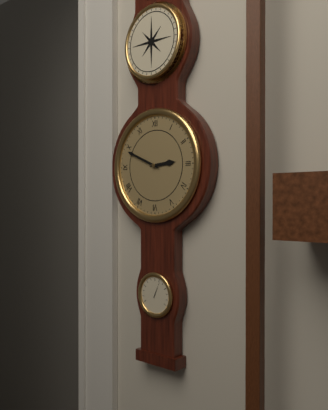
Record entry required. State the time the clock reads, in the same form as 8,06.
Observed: 2,49
